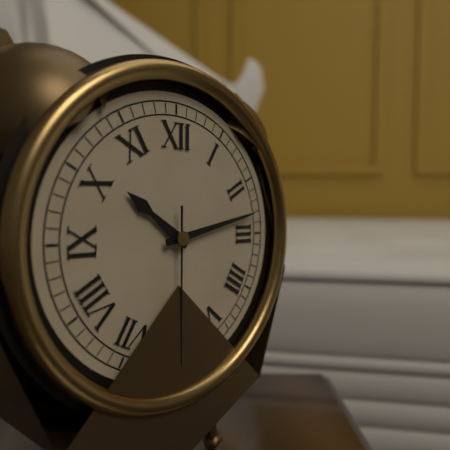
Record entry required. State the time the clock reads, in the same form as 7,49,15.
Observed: 10,13,30
